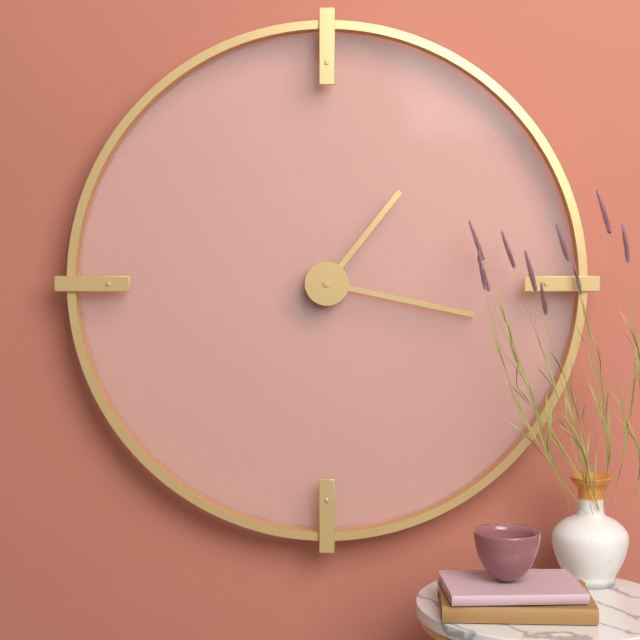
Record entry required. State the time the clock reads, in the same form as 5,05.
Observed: 1,17
